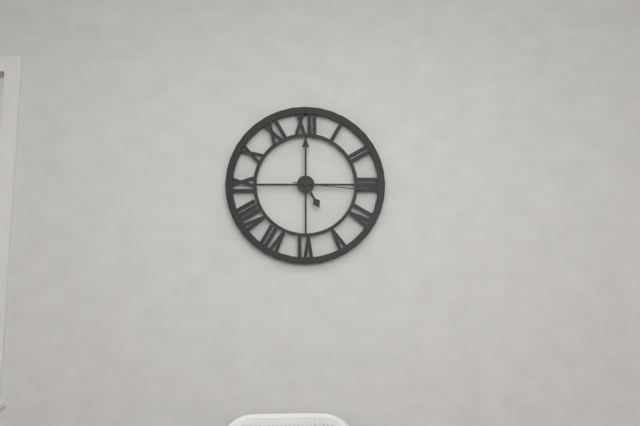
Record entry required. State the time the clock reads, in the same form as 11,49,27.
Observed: 5,00,16
